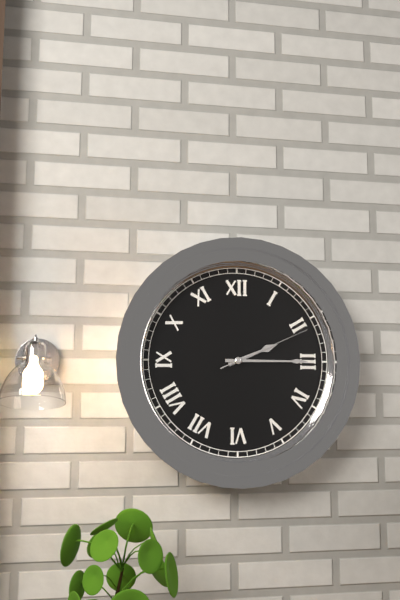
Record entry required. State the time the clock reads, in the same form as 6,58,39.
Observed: 2,15,11
